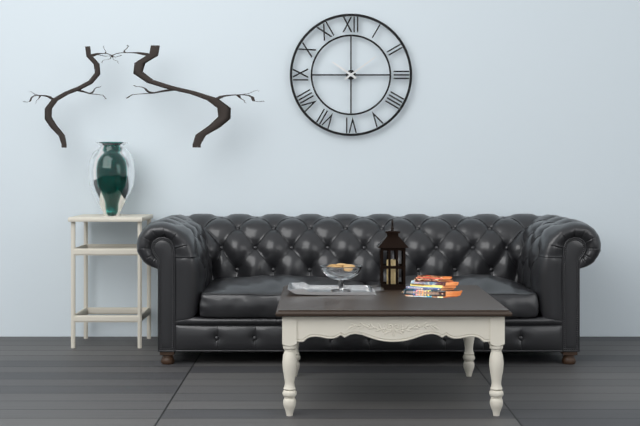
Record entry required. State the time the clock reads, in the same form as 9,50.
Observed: 10,09
